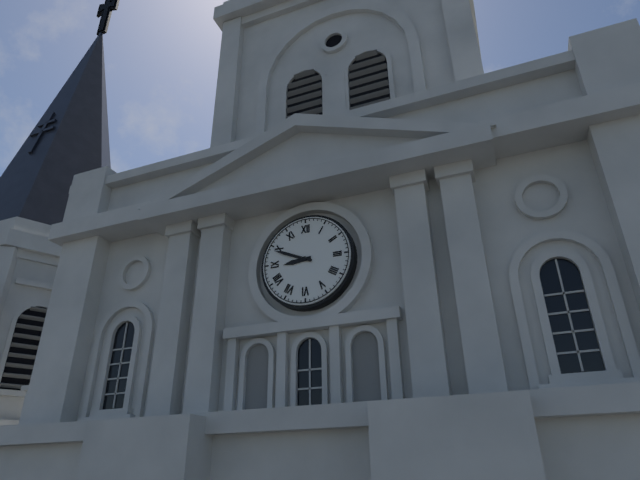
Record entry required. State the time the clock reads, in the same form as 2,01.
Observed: 8,49
